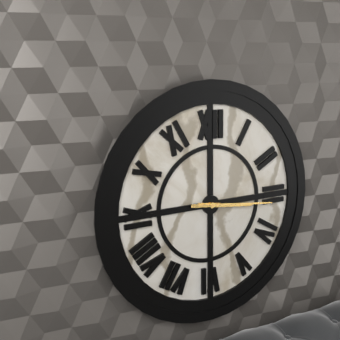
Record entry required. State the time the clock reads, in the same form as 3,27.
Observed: 3,16
